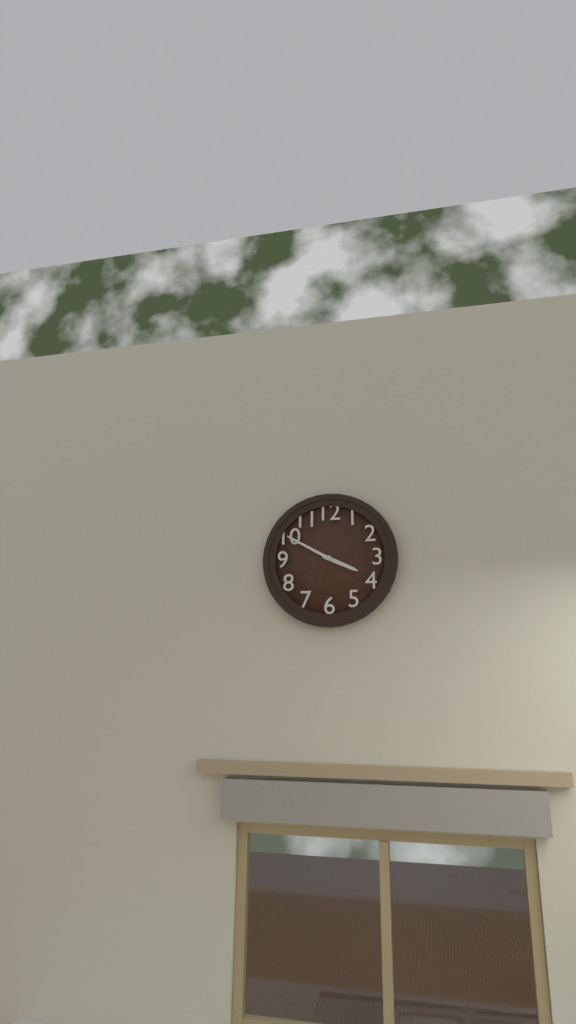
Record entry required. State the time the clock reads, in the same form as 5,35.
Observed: 3,50
